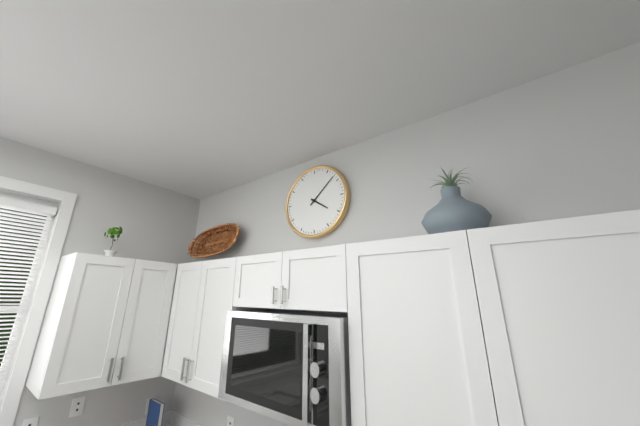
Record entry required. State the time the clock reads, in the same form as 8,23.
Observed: 4,08
